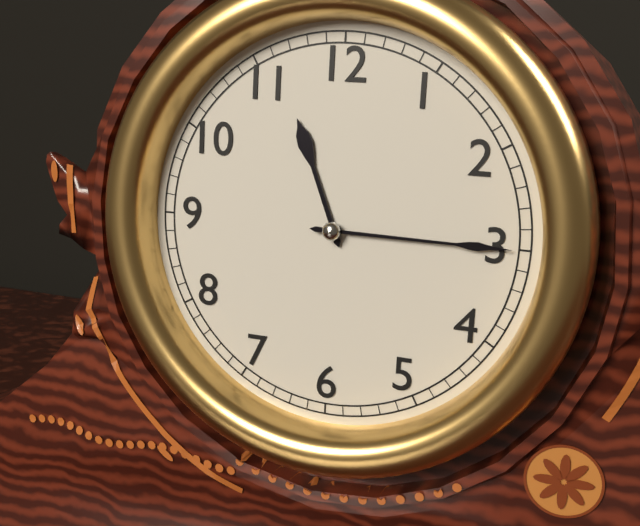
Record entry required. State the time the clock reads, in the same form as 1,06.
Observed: 11,15
